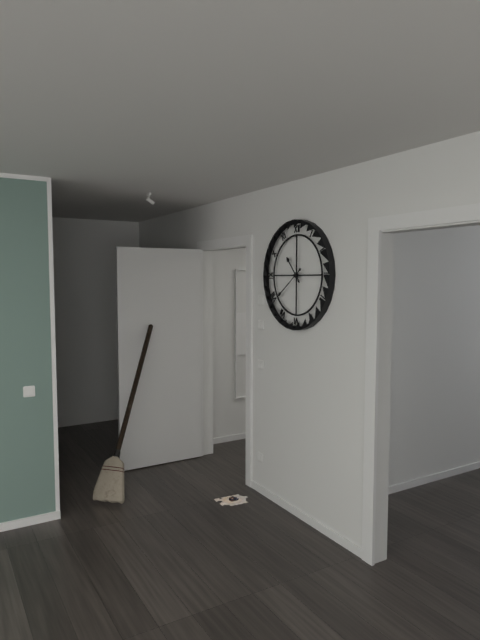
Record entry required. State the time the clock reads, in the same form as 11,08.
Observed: 10,39
